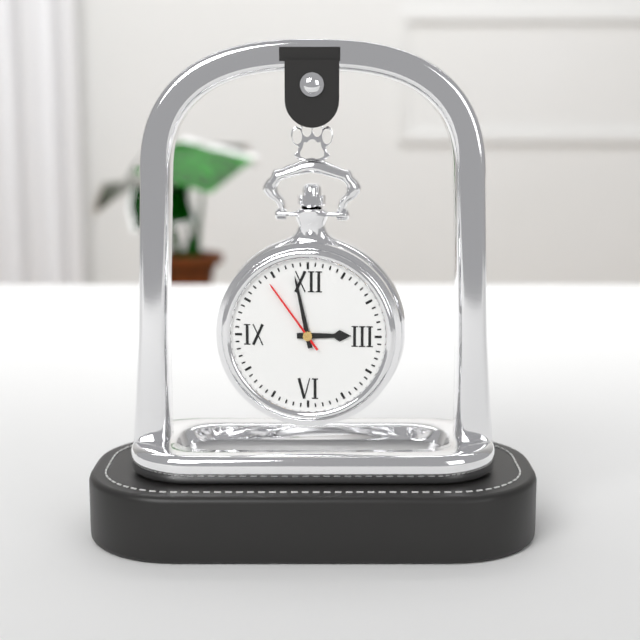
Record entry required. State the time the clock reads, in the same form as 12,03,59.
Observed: 2,58,54
